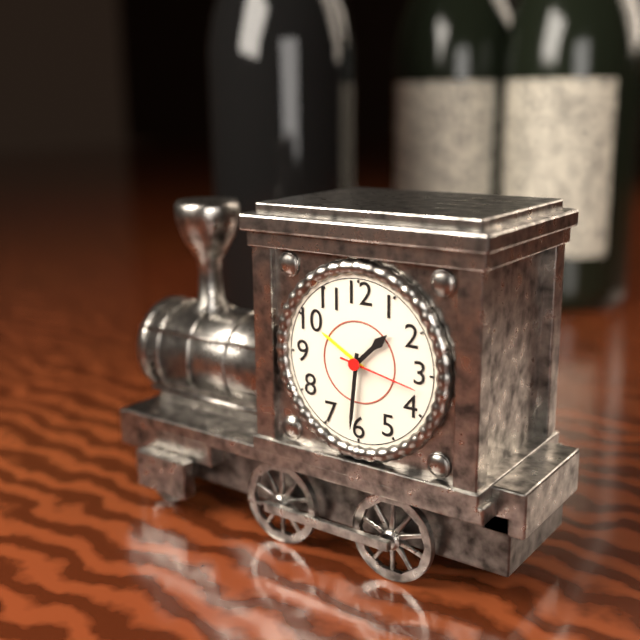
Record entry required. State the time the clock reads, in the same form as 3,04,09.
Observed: 1,31,17
